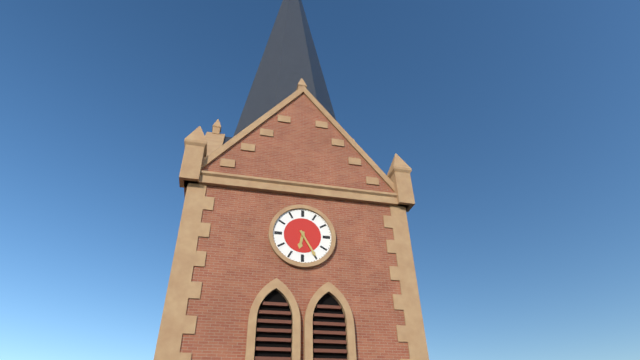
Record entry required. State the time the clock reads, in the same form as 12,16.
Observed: 6,25
